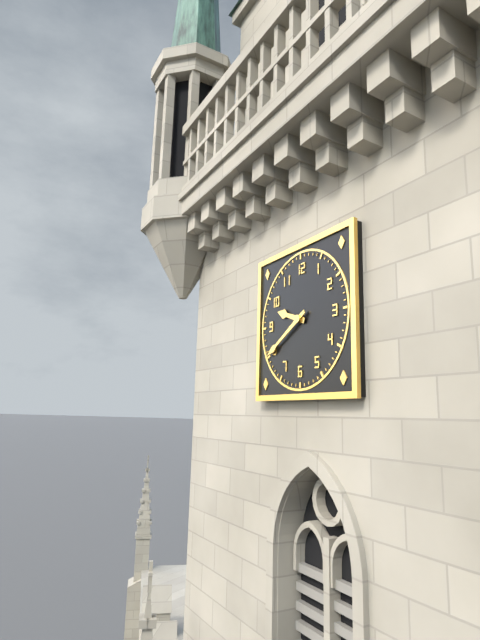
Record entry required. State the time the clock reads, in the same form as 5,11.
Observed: 9,40
